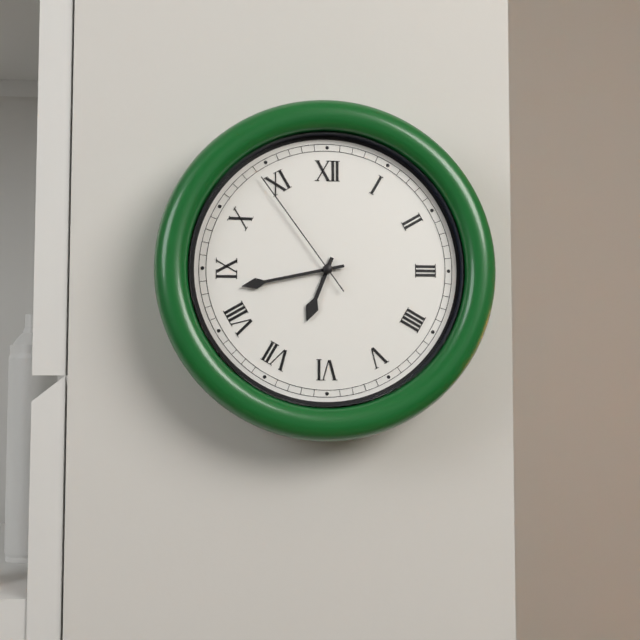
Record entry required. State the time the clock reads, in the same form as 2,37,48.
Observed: 6,43,54
